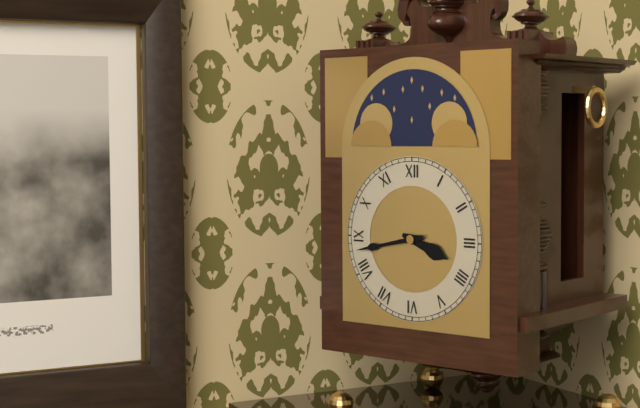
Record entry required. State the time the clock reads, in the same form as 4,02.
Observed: 3,43
